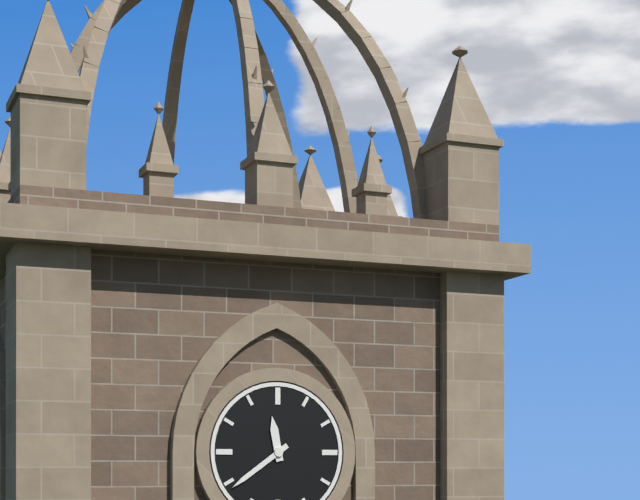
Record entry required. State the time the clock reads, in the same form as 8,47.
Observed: 11,39
